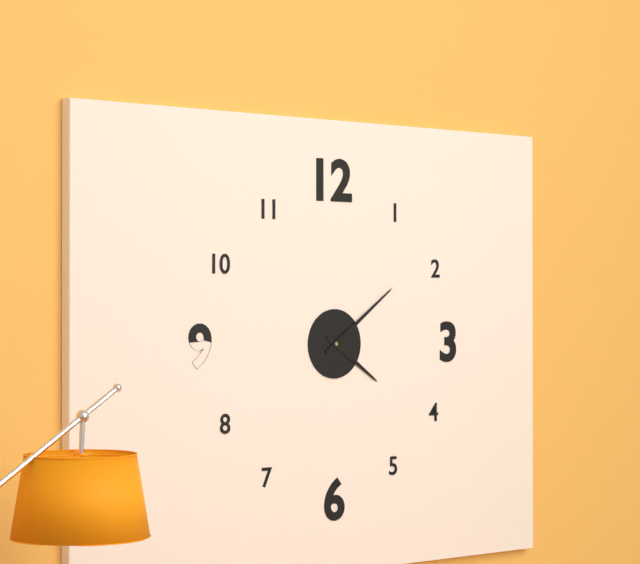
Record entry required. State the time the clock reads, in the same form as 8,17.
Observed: 4,09
